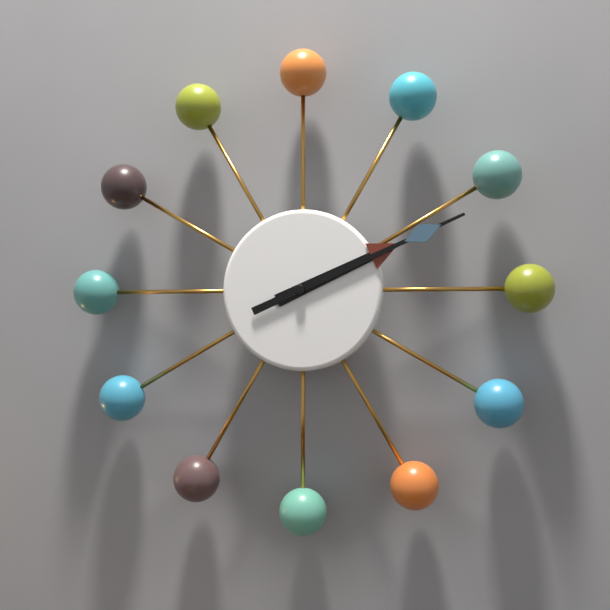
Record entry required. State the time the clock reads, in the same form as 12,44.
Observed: 2,11
